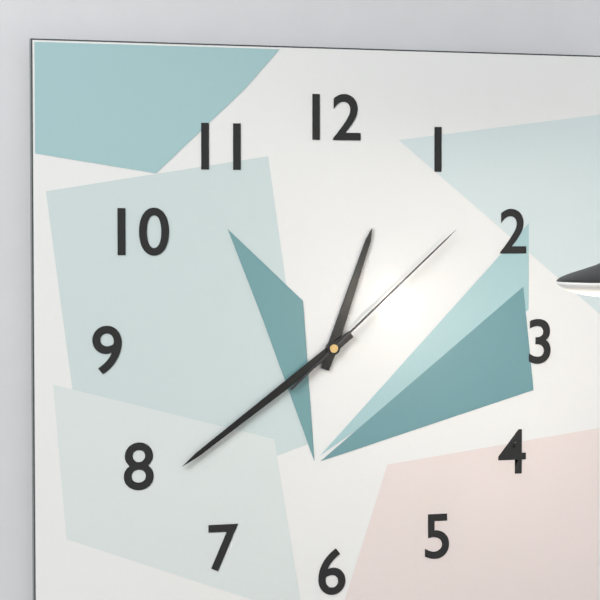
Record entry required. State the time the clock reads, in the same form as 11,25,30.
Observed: 12,39,08
